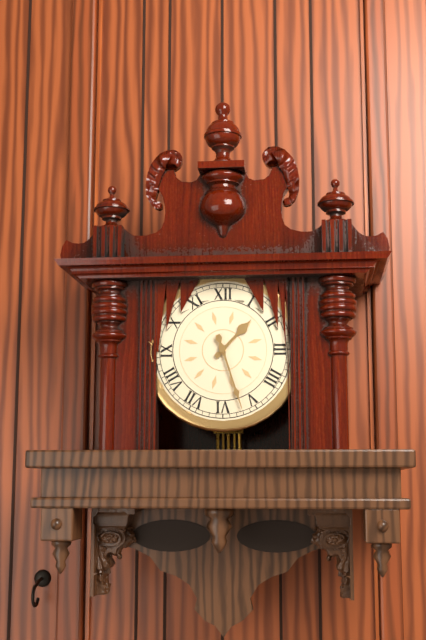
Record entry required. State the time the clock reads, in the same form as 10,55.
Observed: 1,27
